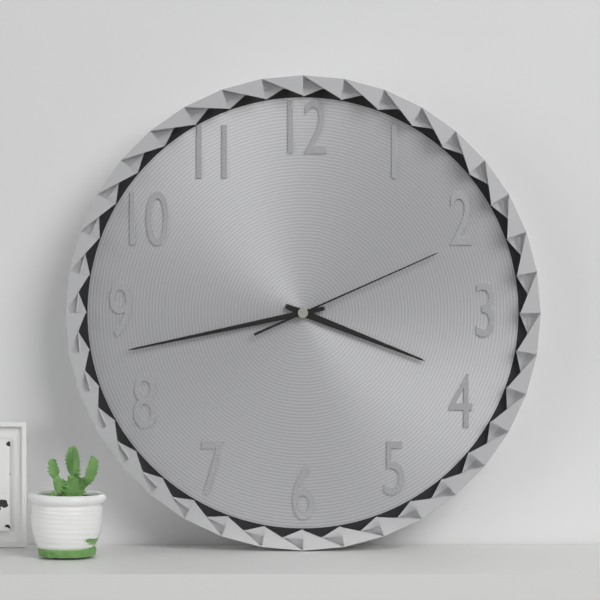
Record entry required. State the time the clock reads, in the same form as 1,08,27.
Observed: 3,43,11
